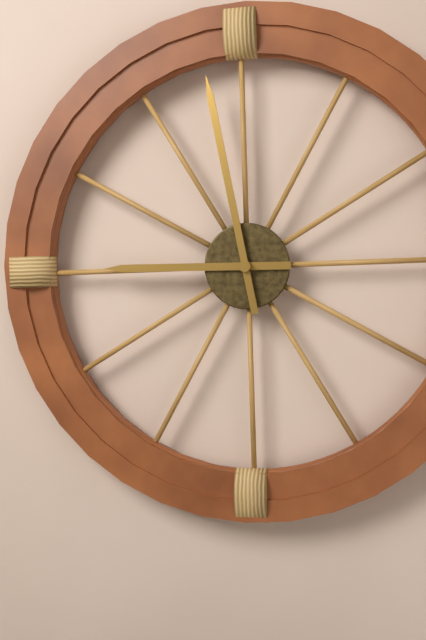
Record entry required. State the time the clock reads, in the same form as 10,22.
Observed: 8,58
